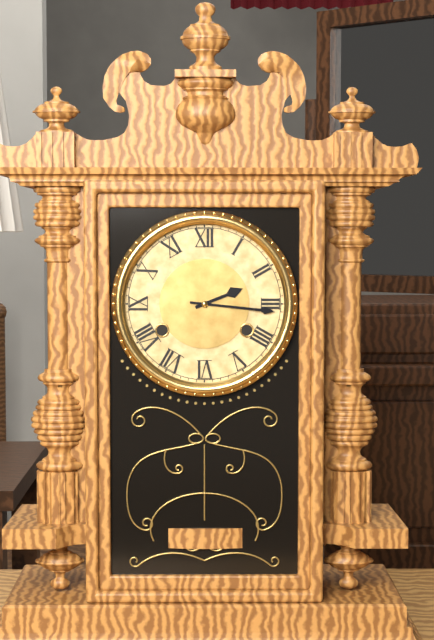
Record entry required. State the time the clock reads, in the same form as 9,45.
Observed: 2,16
